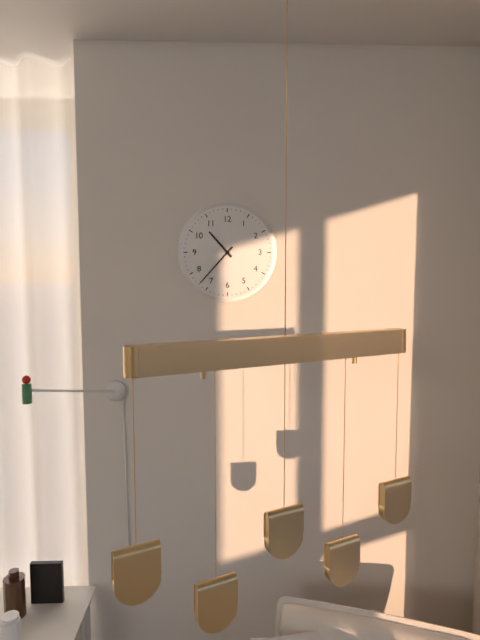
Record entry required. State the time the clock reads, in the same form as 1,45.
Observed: 10,37
